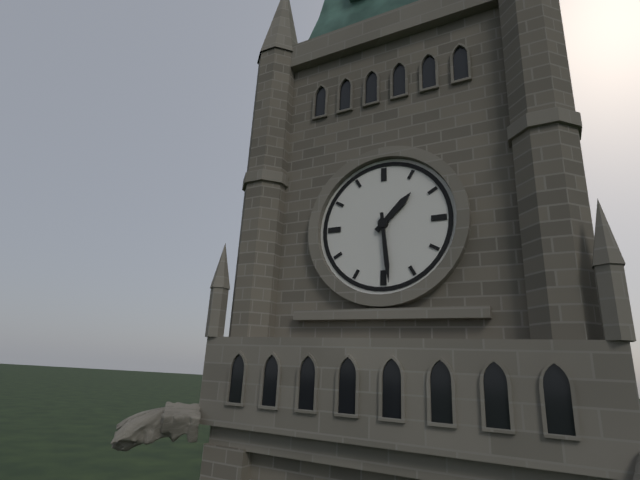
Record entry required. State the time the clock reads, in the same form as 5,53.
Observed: 1,29
